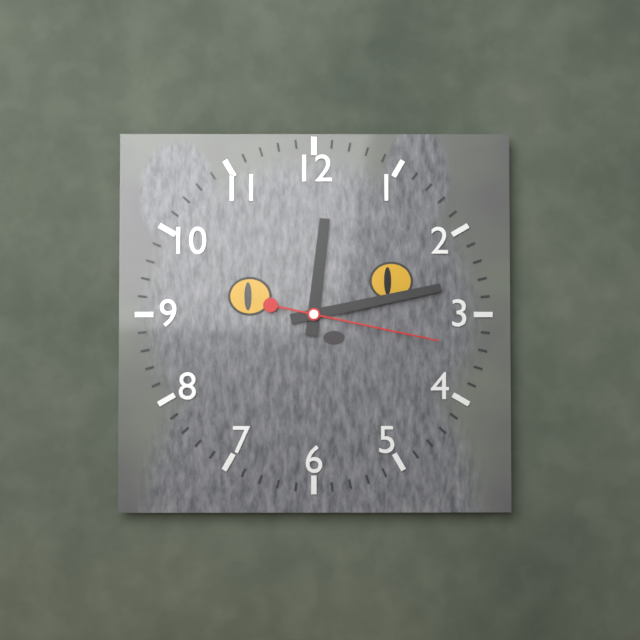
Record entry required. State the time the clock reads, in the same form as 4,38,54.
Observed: 12,13,17
